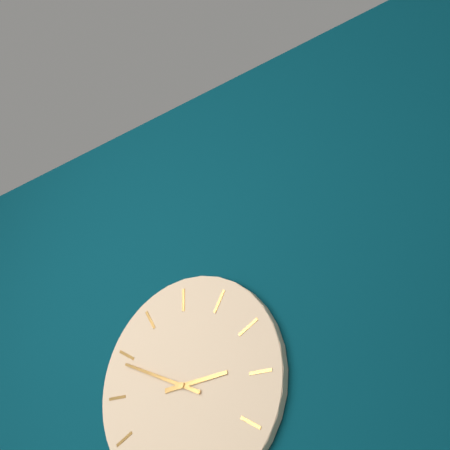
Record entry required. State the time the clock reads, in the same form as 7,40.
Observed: 2,49
